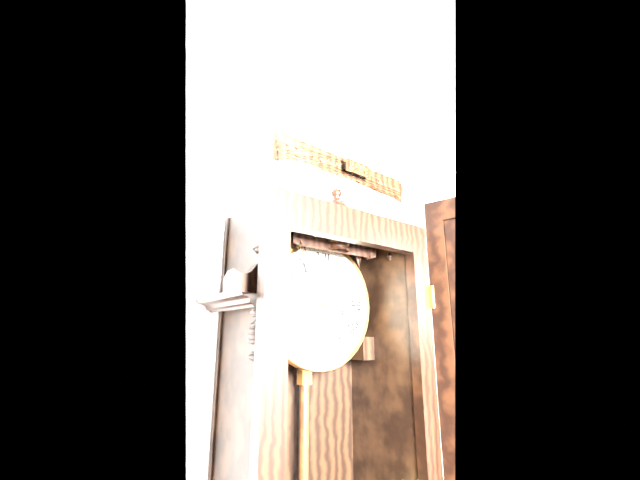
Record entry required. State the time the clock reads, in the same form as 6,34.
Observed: 1,54
